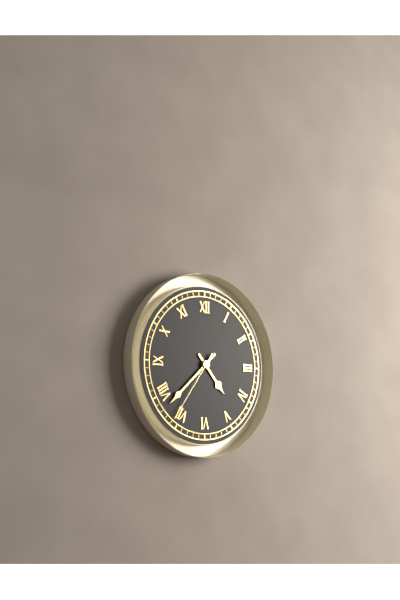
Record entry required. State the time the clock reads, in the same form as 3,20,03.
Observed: 4,38,36
